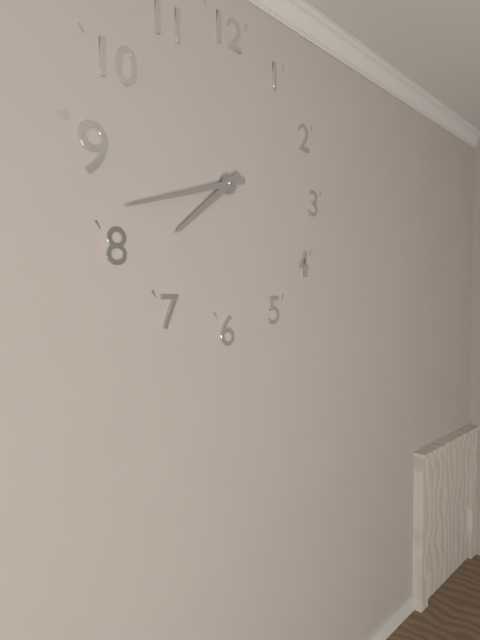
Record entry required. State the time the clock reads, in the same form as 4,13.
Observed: 7,42
